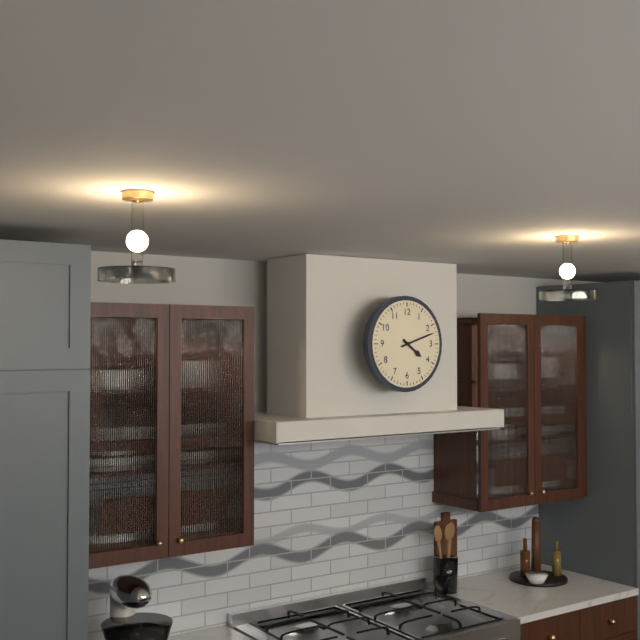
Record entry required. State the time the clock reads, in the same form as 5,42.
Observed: 4,12
